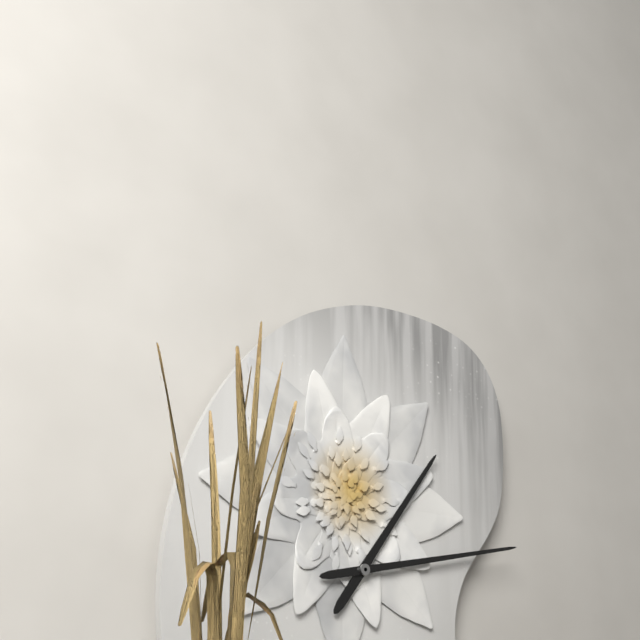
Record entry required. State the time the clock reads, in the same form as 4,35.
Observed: 1,13
